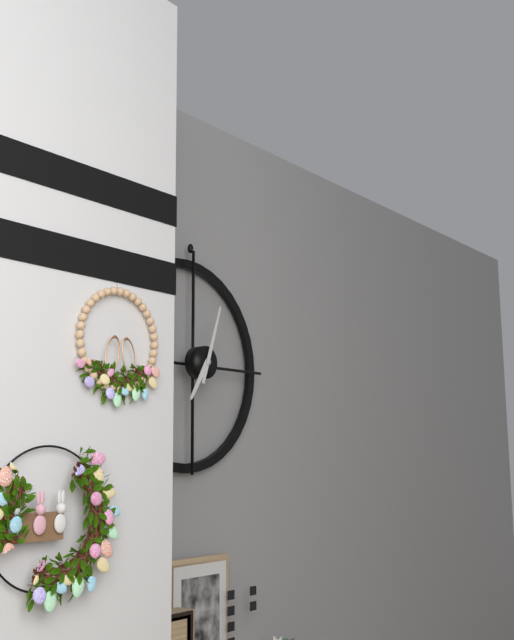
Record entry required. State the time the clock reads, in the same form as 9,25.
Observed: 7,03
